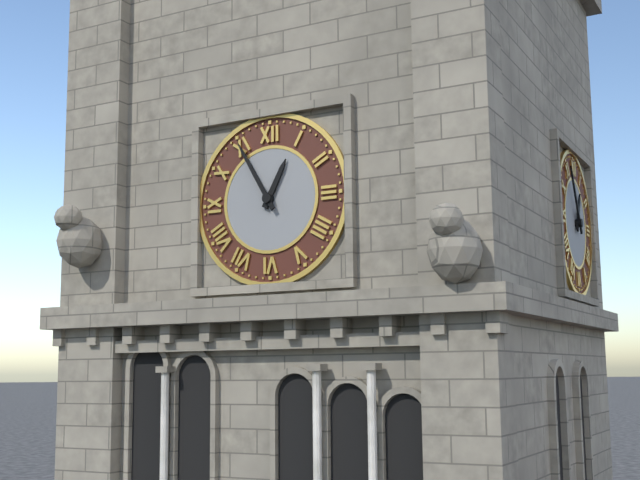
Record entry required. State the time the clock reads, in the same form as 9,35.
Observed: 12,55
